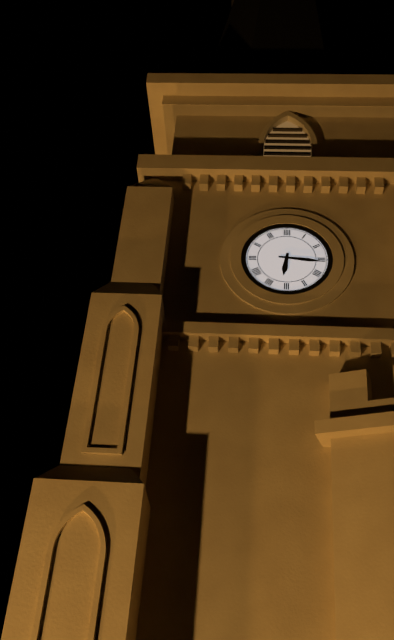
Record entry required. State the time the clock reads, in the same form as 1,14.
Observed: 6,16
